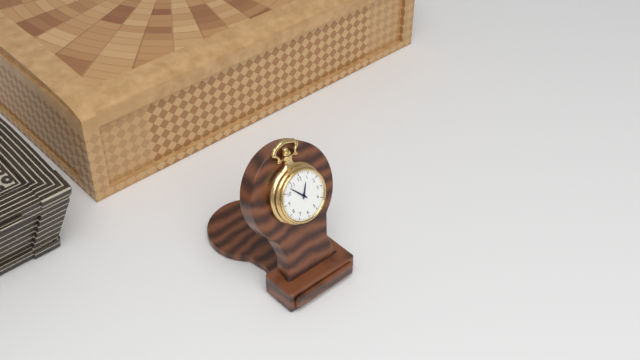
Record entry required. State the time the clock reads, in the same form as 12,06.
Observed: 12,53
